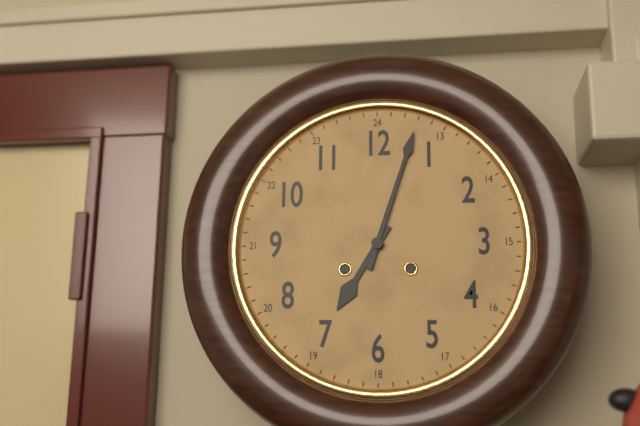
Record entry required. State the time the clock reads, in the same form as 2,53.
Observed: 7,03
